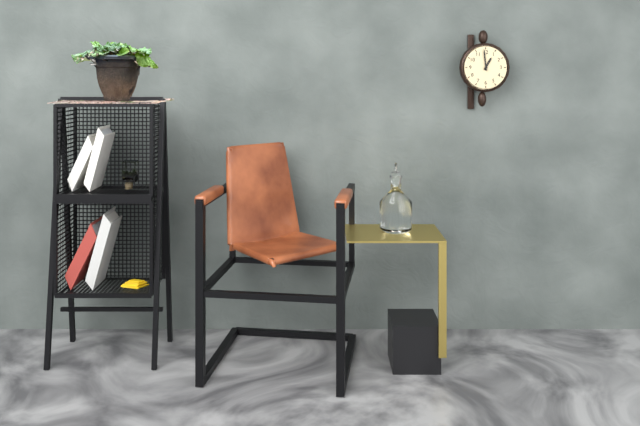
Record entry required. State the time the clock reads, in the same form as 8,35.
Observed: 12,59
